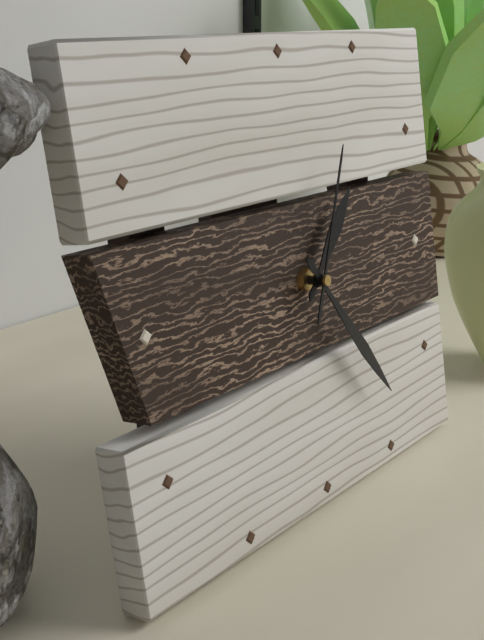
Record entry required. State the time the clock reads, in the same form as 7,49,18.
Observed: 1,24,04
